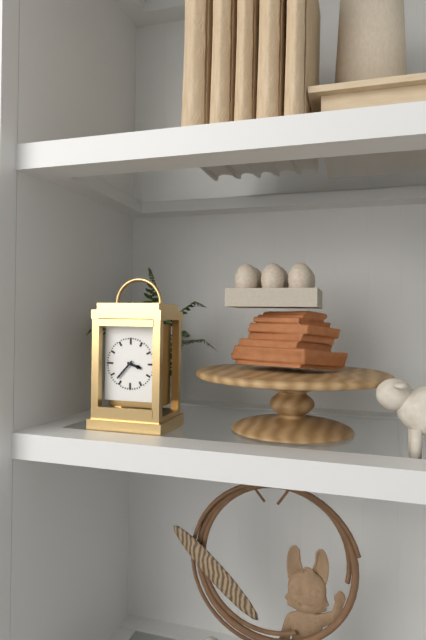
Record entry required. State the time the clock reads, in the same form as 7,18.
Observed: 3,37
